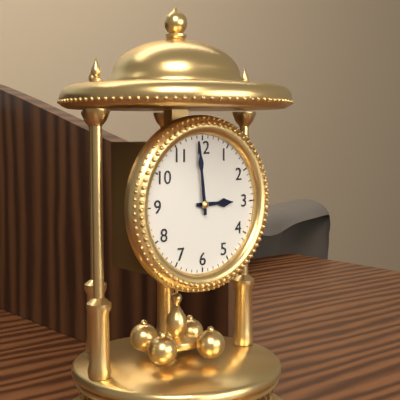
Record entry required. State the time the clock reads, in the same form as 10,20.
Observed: 2,59
